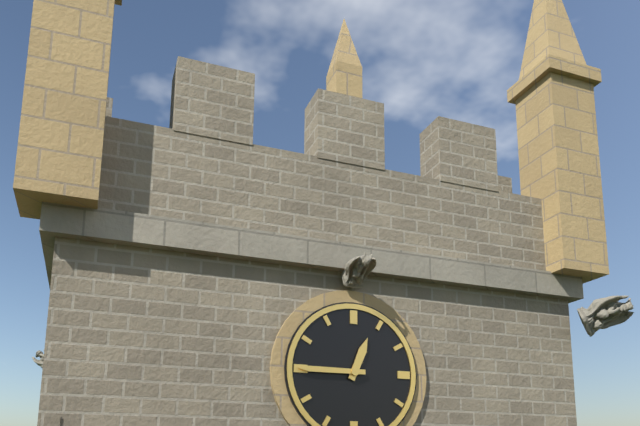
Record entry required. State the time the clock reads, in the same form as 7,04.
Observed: 12,45
